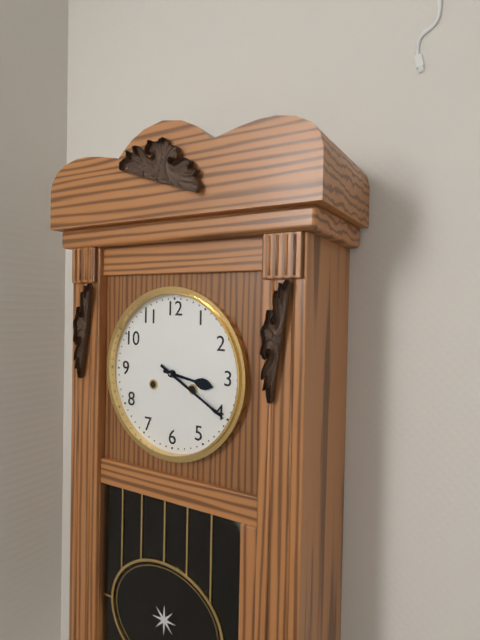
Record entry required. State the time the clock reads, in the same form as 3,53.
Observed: 3,20
